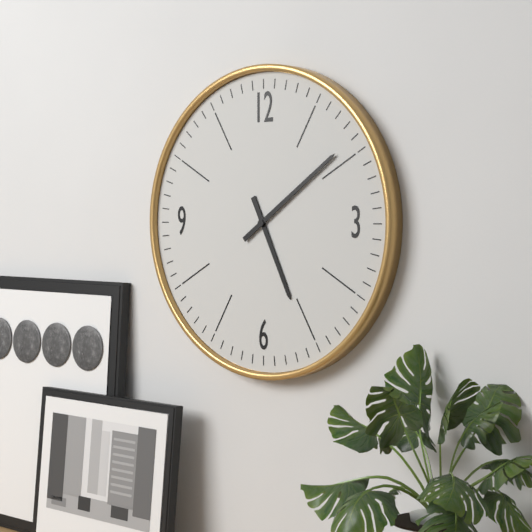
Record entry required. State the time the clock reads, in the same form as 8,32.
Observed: 5,09
